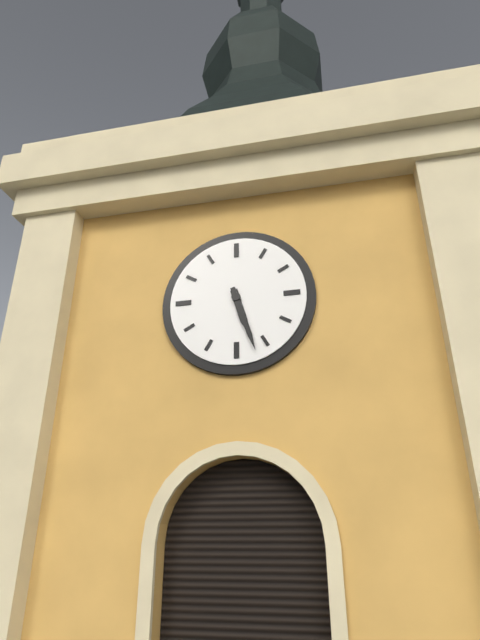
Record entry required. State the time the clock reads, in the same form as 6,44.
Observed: 5,27
